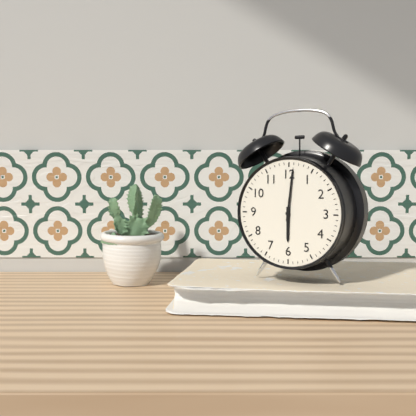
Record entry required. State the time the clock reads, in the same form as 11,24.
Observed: 6,01
